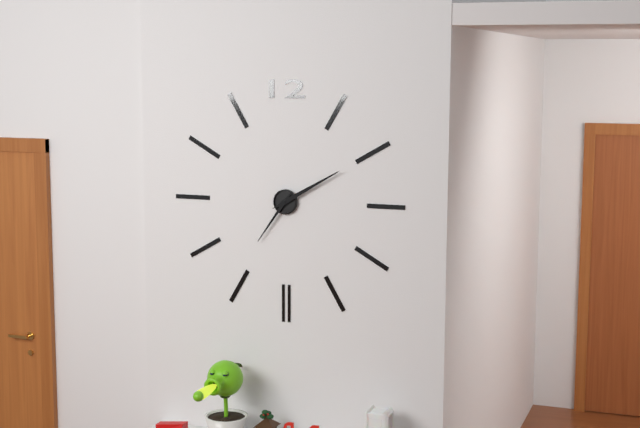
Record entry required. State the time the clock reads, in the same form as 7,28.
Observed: 7,10
